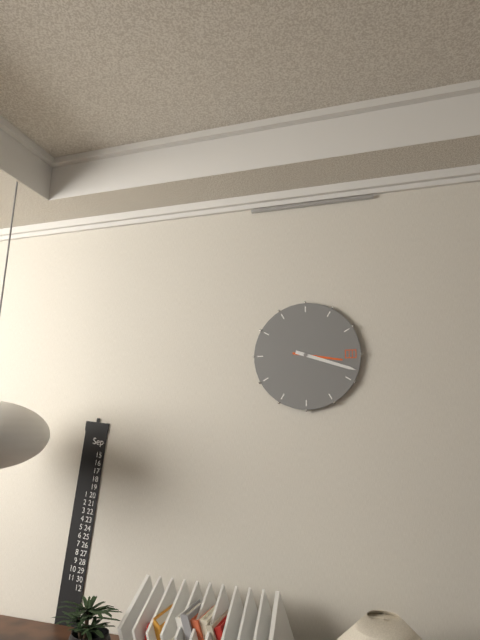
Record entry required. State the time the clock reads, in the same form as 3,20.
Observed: 3,18
